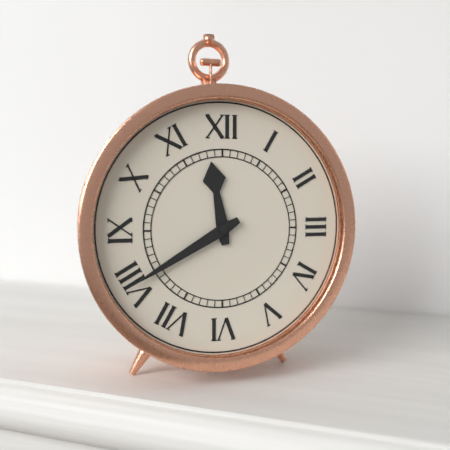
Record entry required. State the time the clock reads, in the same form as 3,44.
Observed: 11,40
